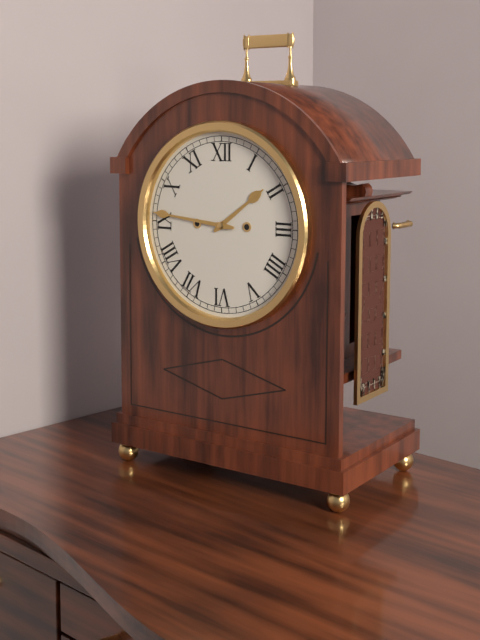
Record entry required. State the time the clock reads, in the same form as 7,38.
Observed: 1,46
